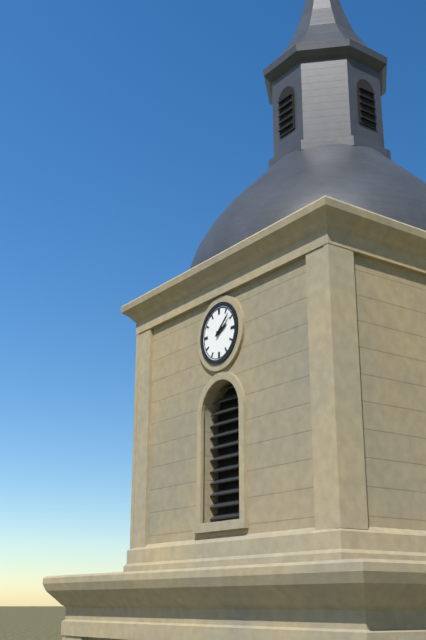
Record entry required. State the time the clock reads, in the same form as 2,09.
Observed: 2,08
